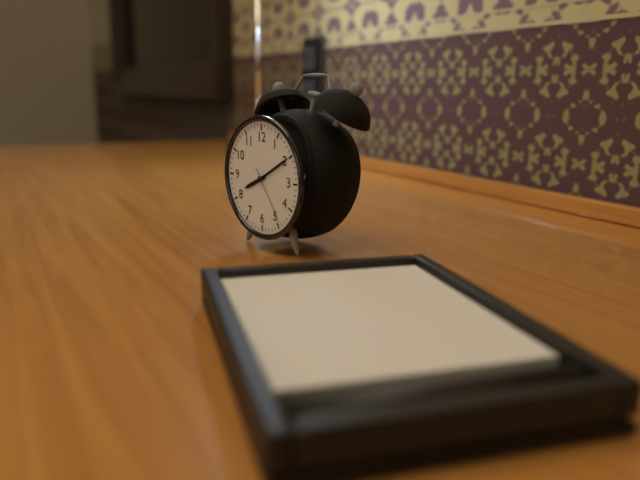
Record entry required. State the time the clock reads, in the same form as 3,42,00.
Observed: 8,10,24
